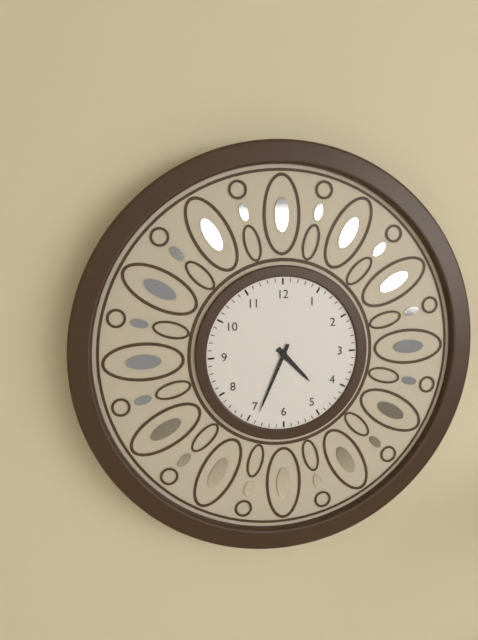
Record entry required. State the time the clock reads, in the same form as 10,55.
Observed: 4,34
